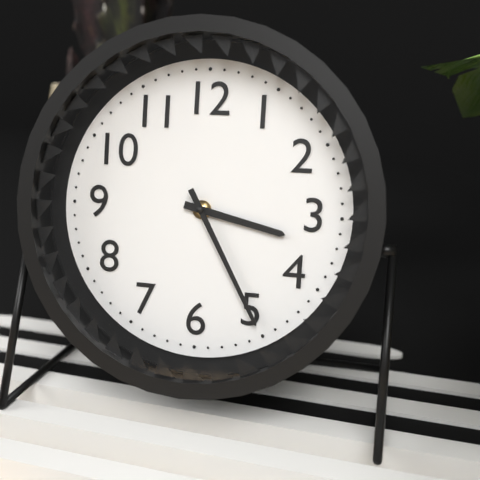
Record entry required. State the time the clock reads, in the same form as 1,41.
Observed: 3,25
